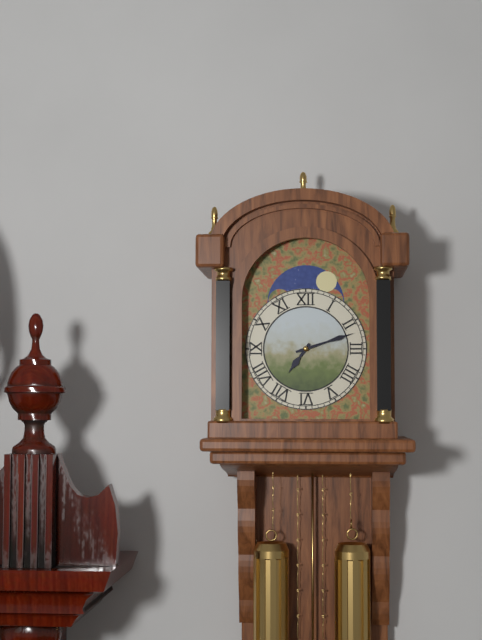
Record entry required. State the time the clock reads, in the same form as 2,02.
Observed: 7,12
